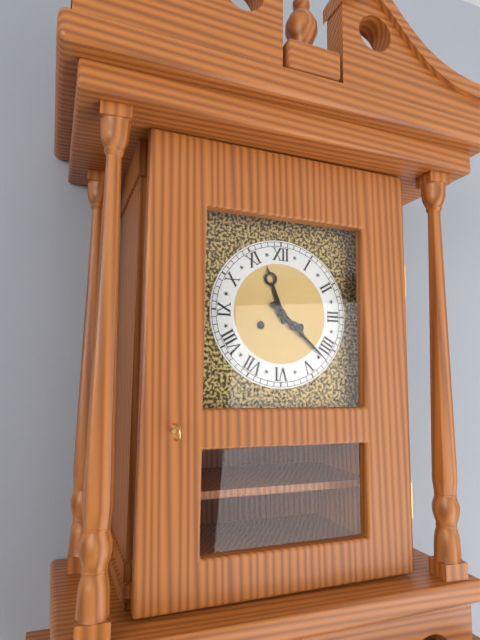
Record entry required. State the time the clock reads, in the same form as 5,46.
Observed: 11,22
